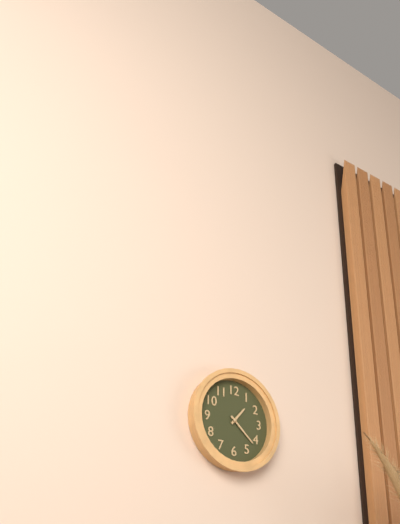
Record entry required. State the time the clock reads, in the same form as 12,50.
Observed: 1,22
